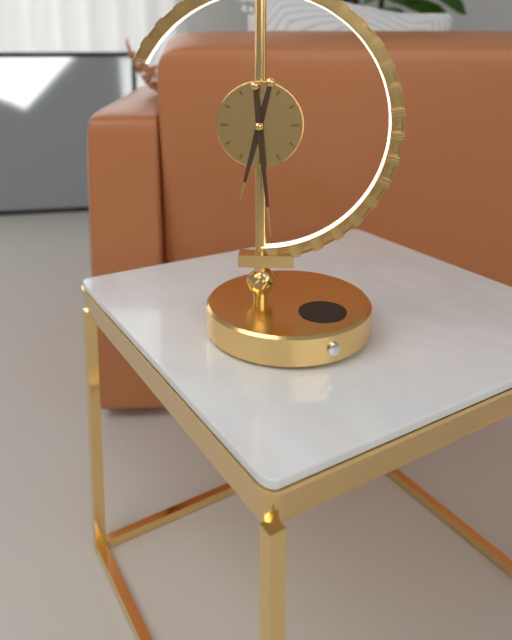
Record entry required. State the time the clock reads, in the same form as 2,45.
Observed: 6,29
